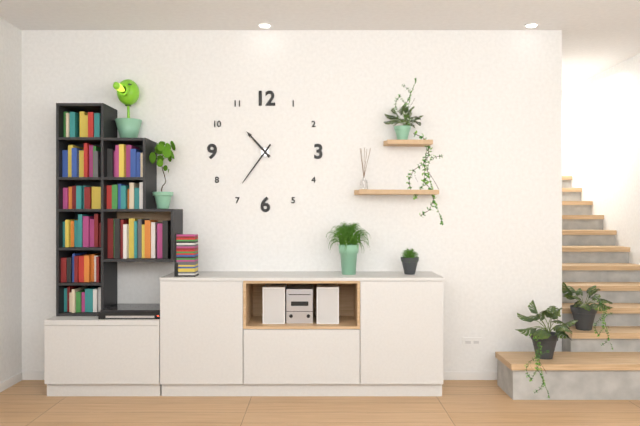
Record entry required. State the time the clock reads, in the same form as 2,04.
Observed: 10,36
